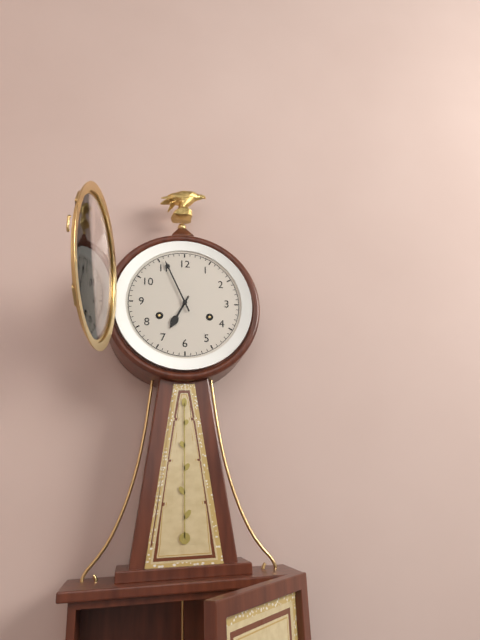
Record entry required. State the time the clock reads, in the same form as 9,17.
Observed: 6,56
